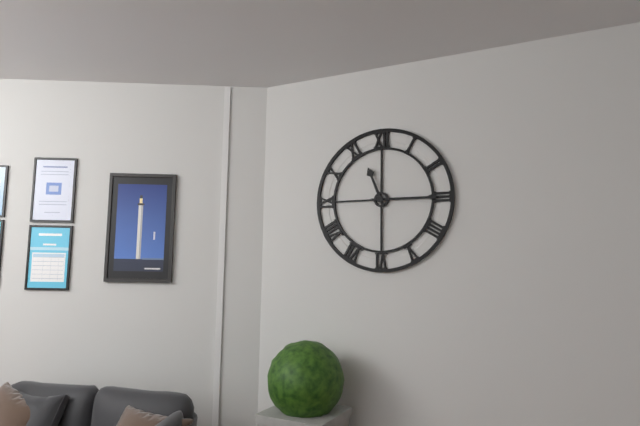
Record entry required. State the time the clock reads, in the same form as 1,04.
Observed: 11,15
